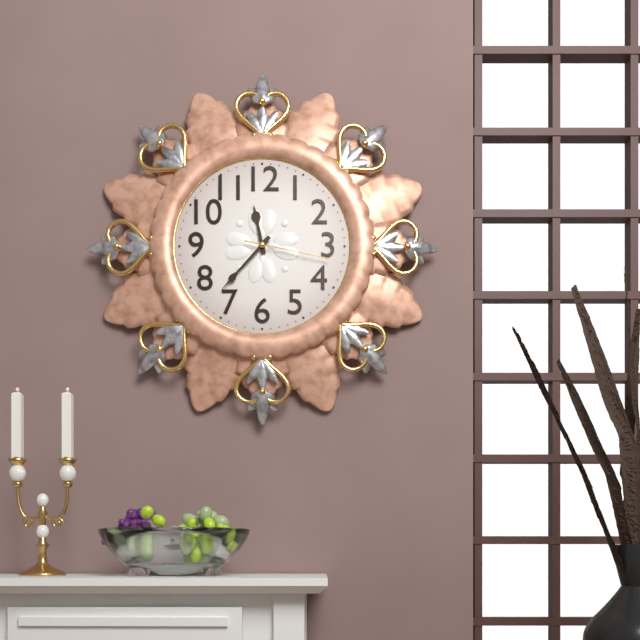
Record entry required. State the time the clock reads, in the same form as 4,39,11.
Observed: 11,37,17
